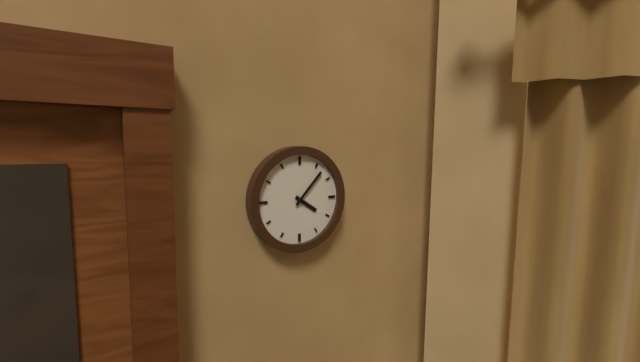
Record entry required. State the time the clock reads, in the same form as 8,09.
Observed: 4,07
